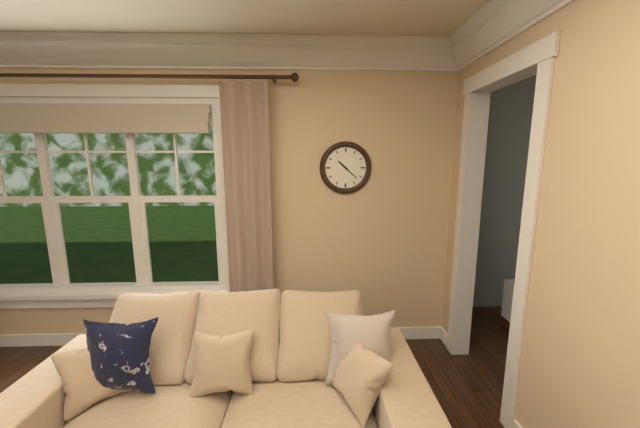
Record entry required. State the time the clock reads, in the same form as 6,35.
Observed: 10,22
